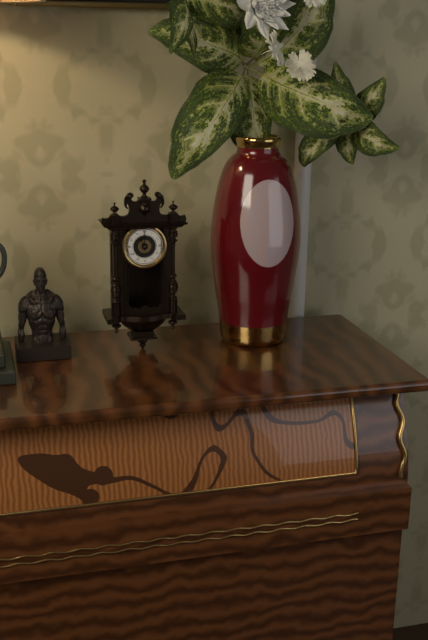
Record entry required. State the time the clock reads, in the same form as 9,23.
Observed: 11,00
